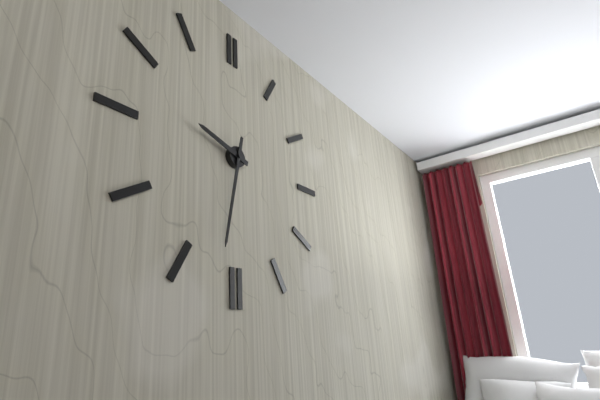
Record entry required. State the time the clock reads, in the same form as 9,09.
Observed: 9,32
